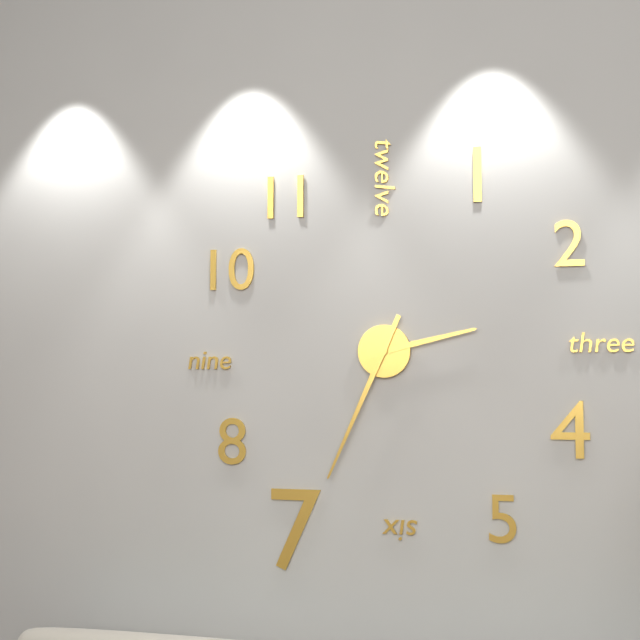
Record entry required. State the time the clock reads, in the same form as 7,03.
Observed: 2,34
